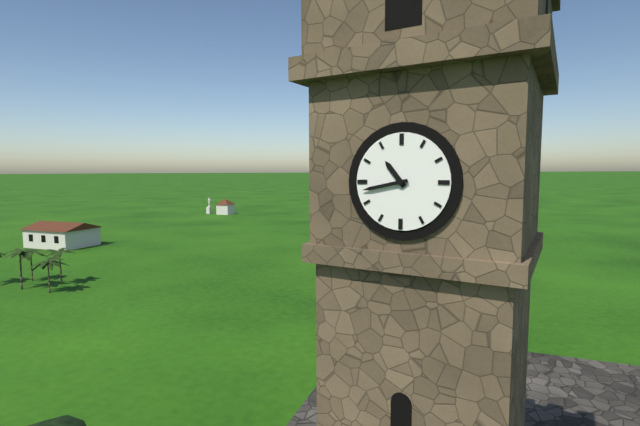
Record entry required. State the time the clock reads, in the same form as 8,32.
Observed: 10,43
